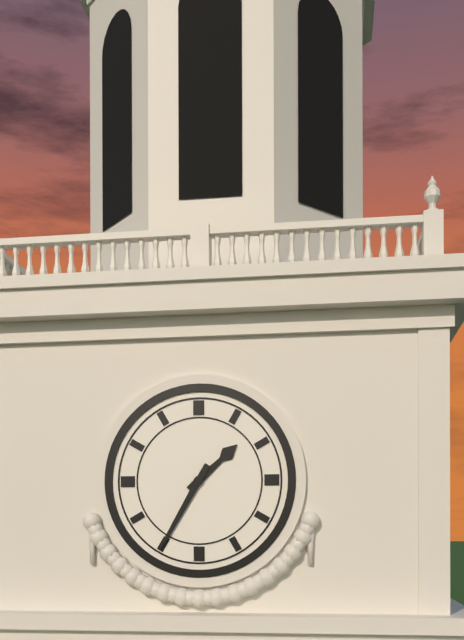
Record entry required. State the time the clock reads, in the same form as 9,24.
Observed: 1,35
